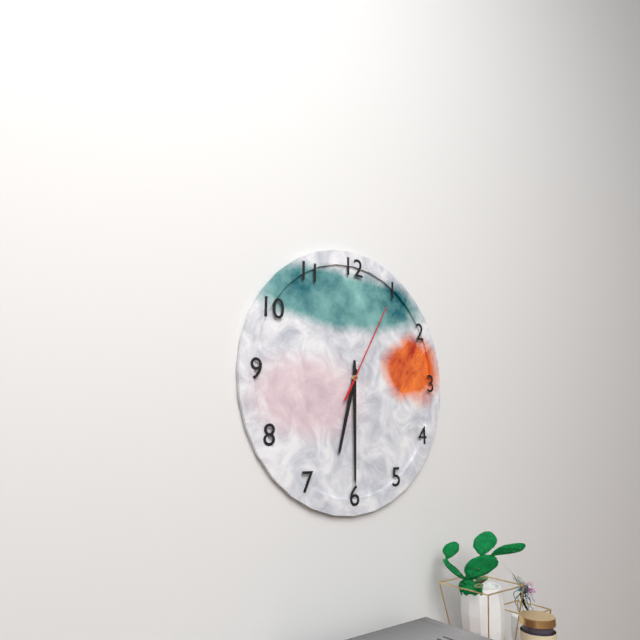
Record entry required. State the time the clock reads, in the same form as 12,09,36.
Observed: 6,30,05
